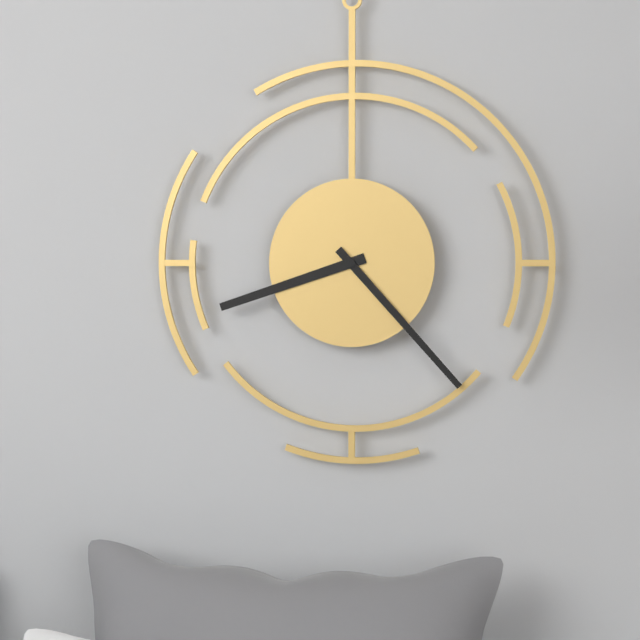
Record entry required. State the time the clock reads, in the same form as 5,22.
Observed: 8,23
